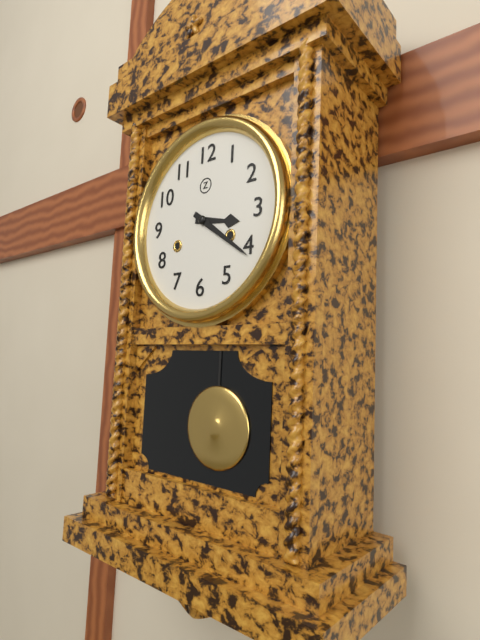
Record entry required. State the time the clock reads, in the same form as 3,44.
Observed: 3,21
